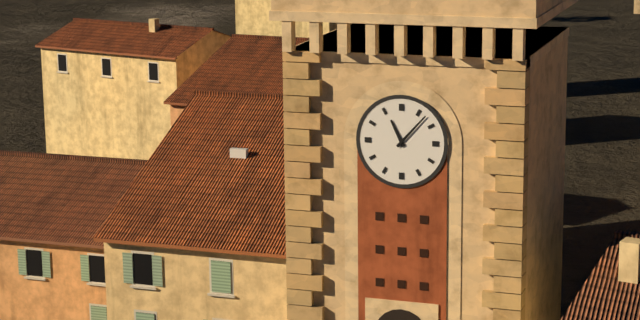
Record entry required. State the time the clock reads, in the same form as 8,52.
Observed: 11,07
